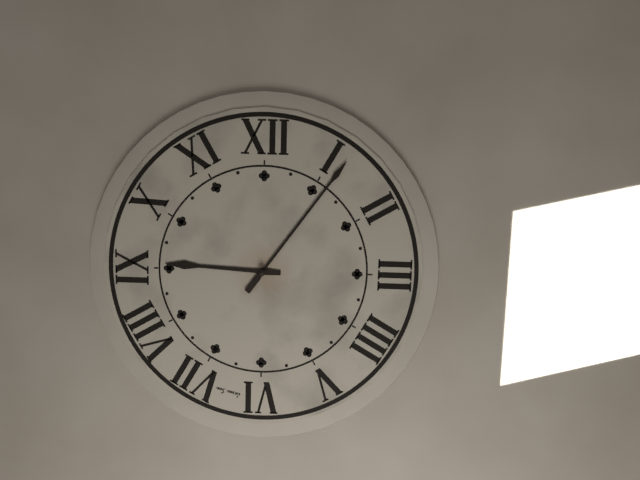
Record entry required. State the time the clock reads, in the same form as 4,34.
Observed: 9,06
